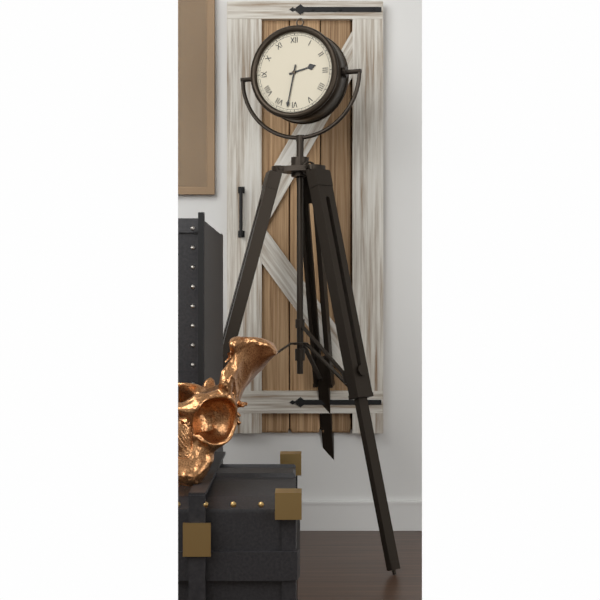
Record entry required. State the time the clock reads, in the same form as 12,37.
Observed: 2,32
